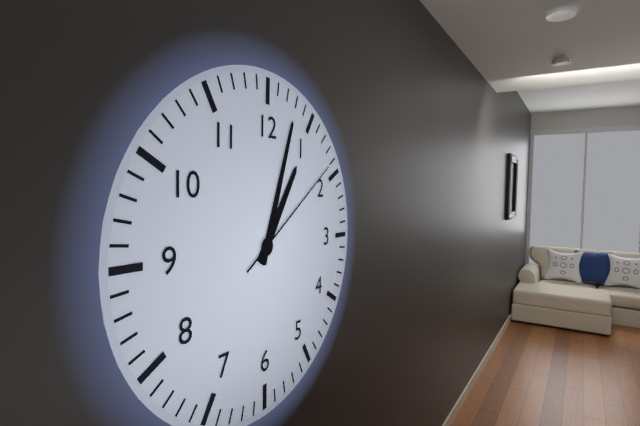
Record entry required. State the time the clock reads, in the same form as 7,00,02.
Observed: 1,03,09
